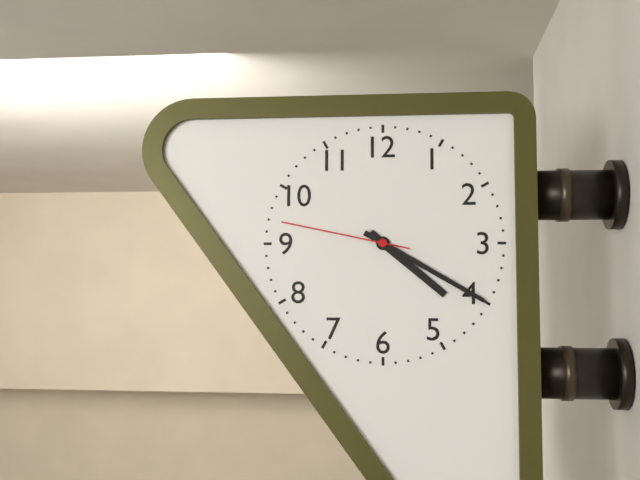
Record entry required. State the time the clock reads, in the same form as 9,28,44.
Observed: 4,20,47
